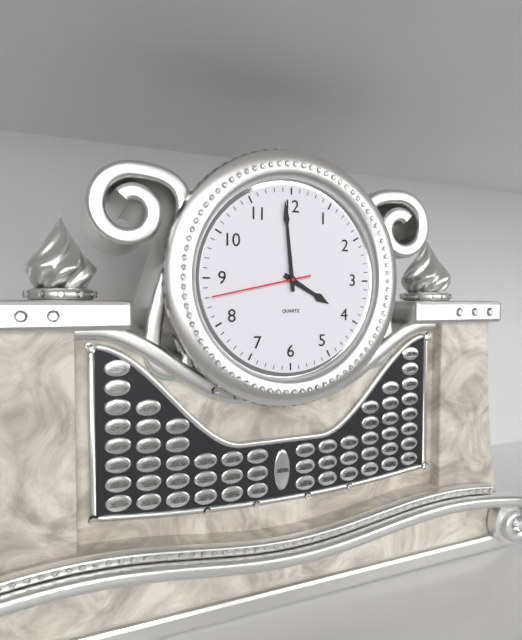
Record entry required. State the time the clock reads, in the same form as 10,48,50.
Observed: 3,59,43
